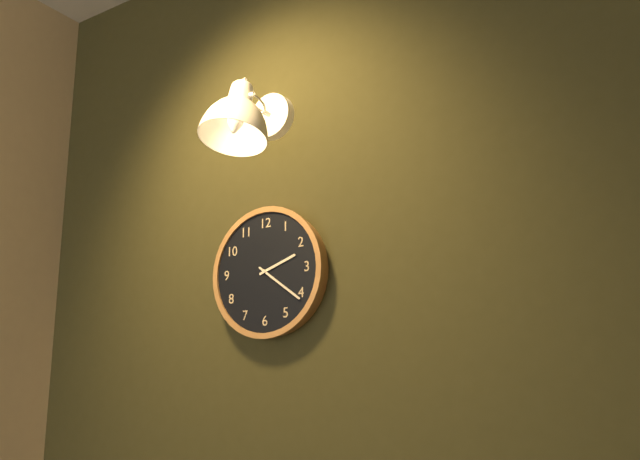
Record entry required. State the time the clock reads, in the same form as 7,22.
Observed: 2,21
